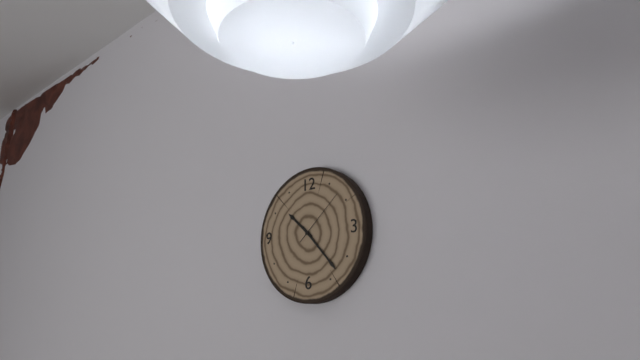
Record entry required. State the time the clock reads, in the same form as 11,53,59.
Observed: 10,23,08
